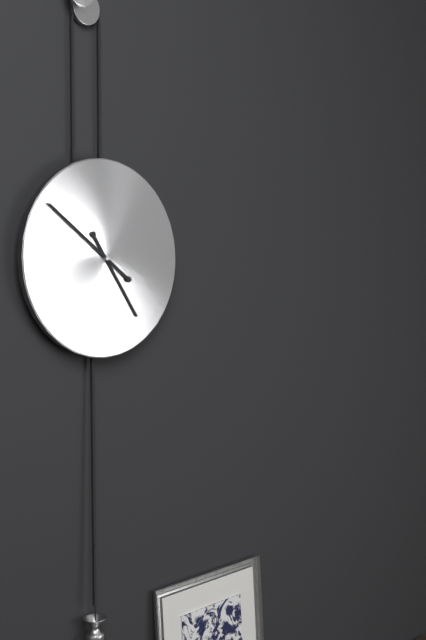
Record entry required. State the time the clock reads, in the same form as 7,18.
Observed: 4,51
